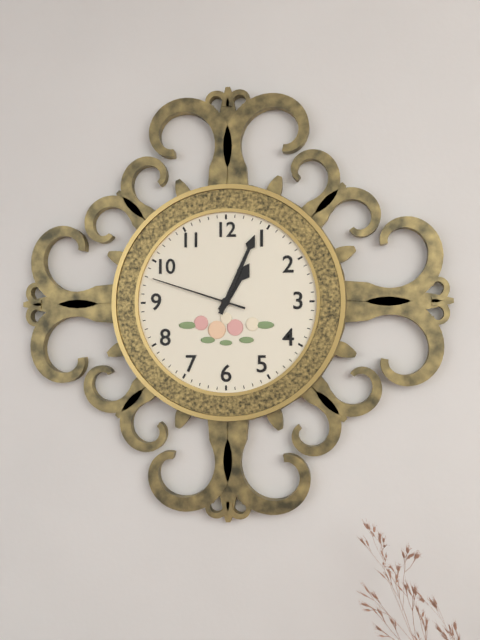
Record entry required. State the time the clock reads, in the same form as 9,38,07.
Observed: 1,04,48
